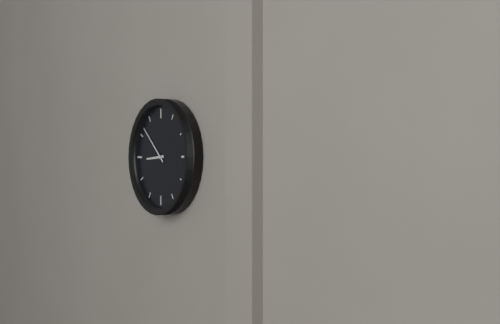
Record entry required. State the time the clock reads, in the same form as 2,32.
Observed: 8,52
